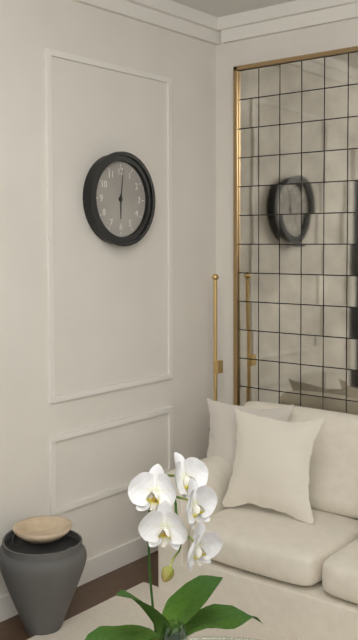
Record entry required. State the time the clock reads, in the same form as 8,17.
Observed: 6,01
